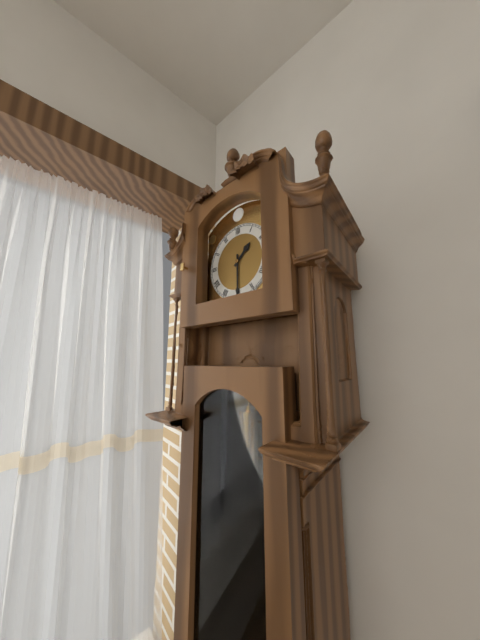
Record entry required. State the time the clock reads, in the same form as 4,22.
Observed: 1,30
